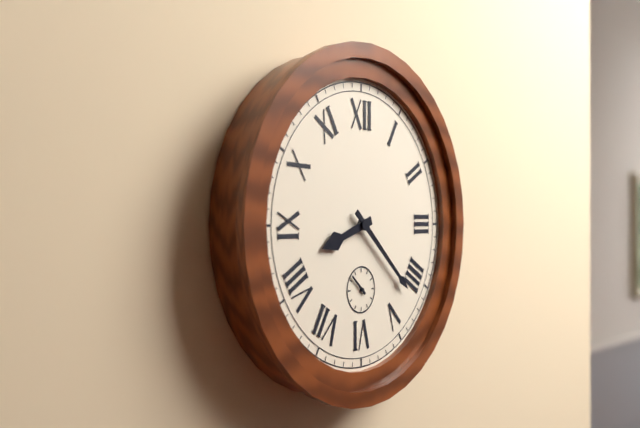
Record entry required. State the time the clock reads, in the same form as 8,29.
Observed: 8,22
